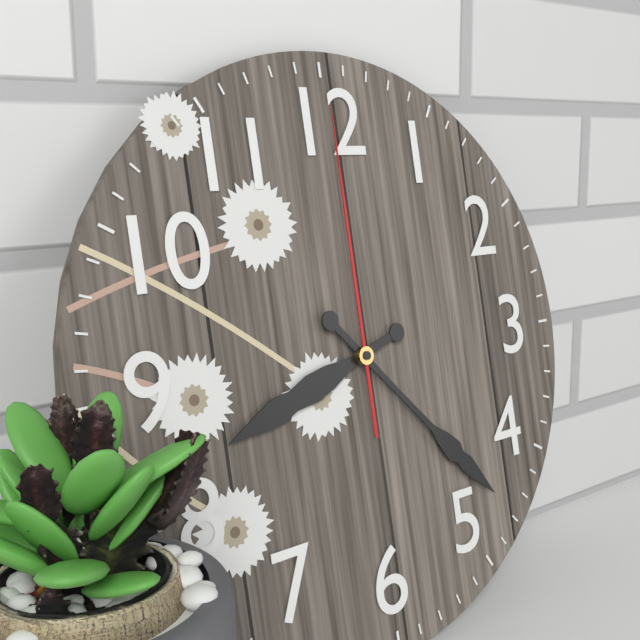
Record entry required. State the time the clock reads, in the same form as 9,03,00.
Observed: 8,23,00
